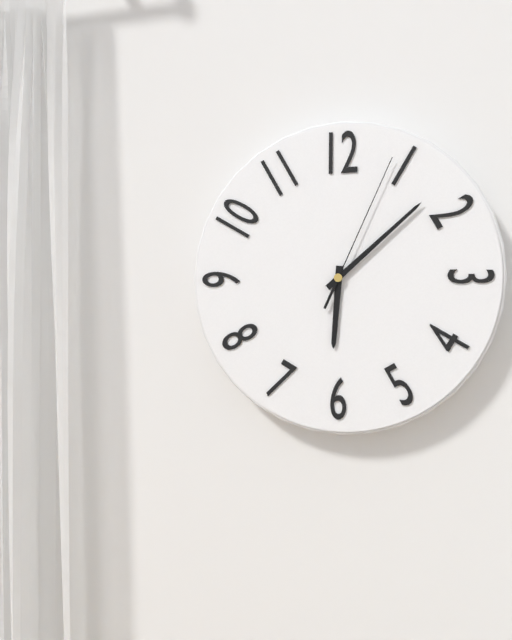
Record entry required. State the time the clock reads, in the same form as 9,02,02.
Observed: 6,08,04
